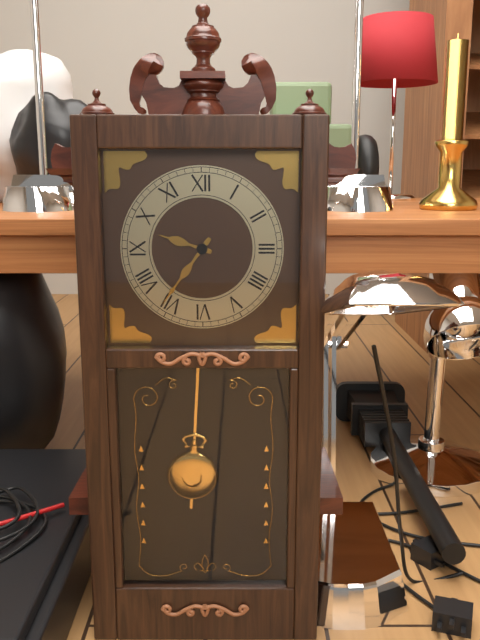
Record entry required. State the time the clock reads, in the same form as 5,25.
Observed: 9,36
